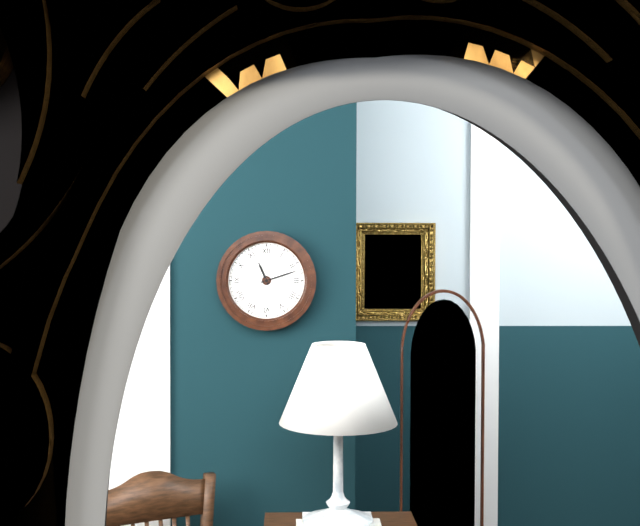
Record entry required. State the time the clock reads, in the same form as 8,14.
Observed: 11,12
